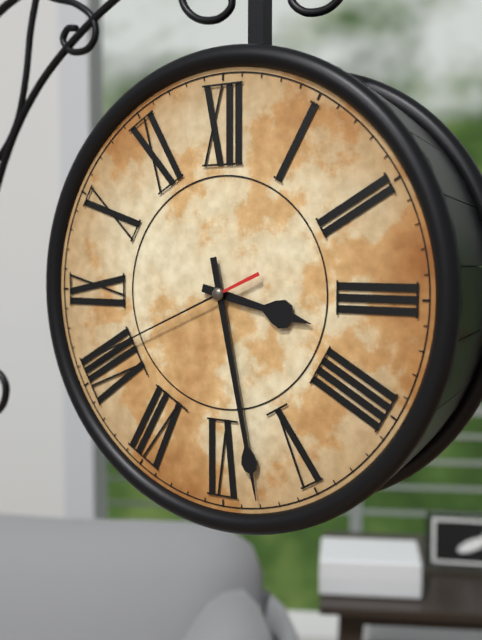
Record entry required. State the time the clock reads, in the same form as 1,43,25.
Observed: 3,28,41
